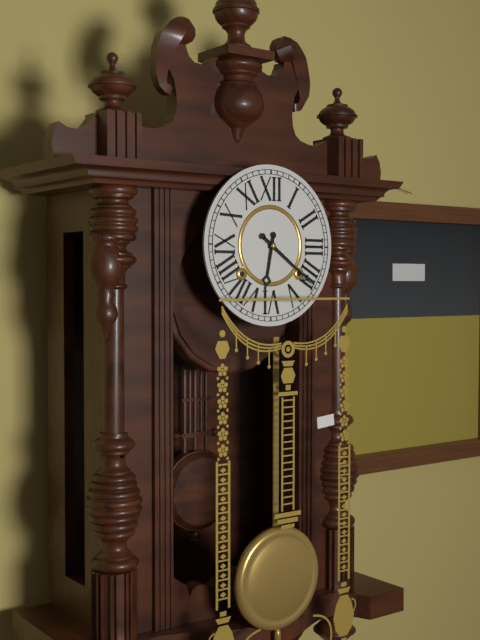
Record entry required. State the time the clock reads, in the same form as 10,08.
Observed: 6,21
